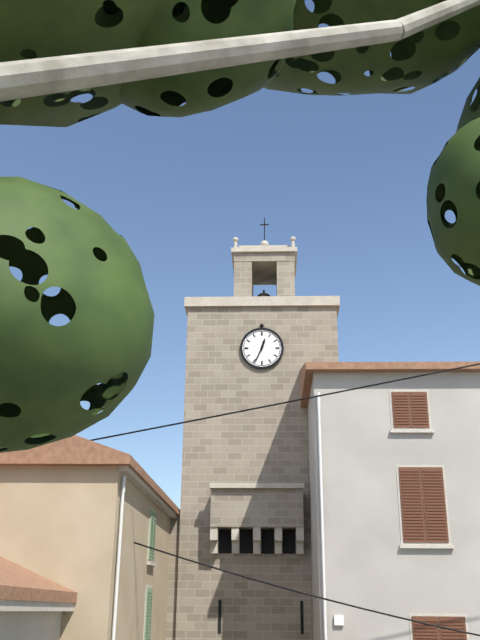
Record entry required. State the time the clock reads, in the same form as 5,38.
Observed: 12,34
